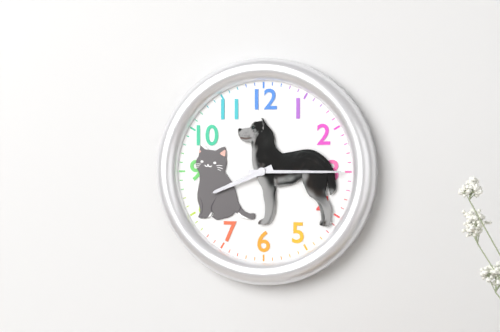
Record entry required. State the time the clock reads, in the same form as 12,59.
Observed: 8,15
